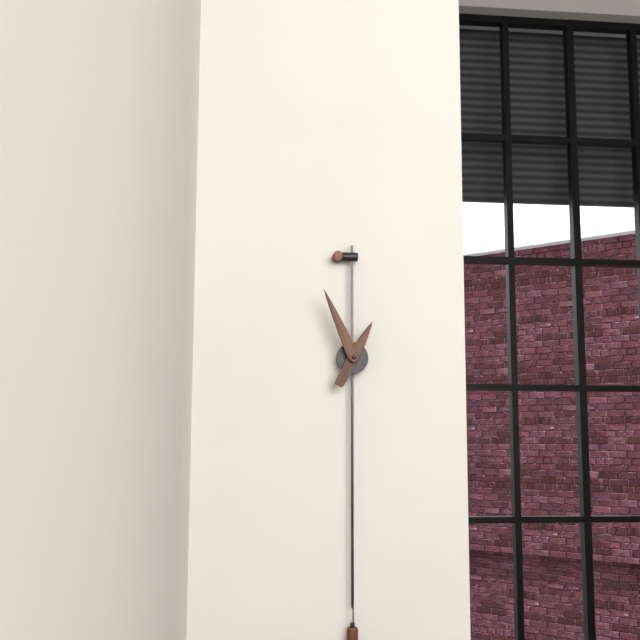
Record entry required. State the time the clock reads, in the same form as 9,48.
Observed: 12,56
